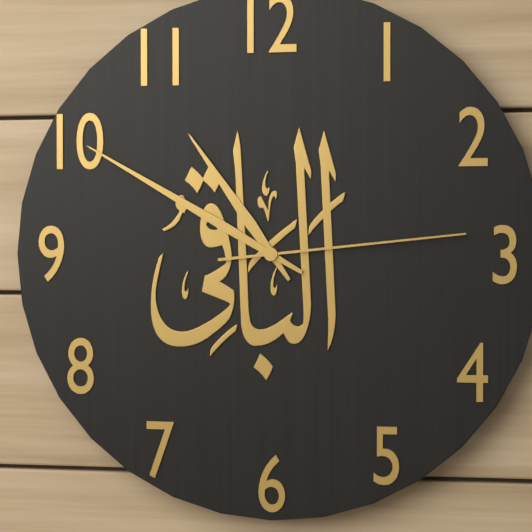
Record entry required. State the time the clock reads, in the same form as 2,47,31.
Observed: 10,50,14
